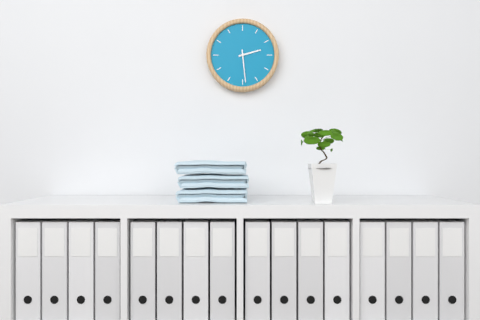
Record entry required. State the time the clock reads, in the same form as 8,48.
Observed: 2,29
